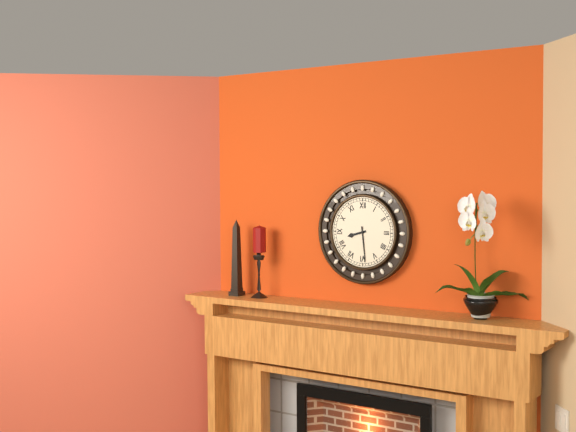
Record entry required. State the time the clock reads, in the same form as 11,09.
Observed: 8,29
